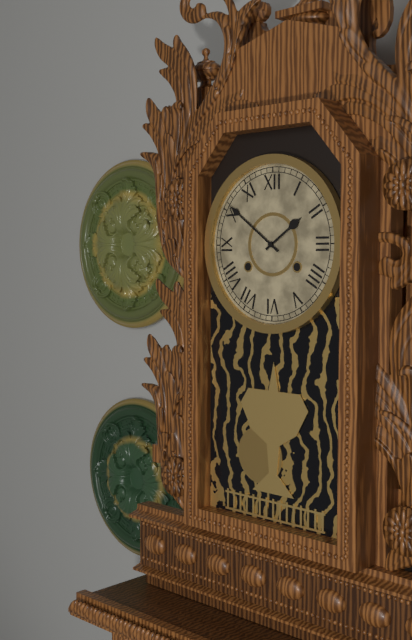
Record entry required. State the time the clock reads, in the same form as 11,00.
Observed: 1,51
